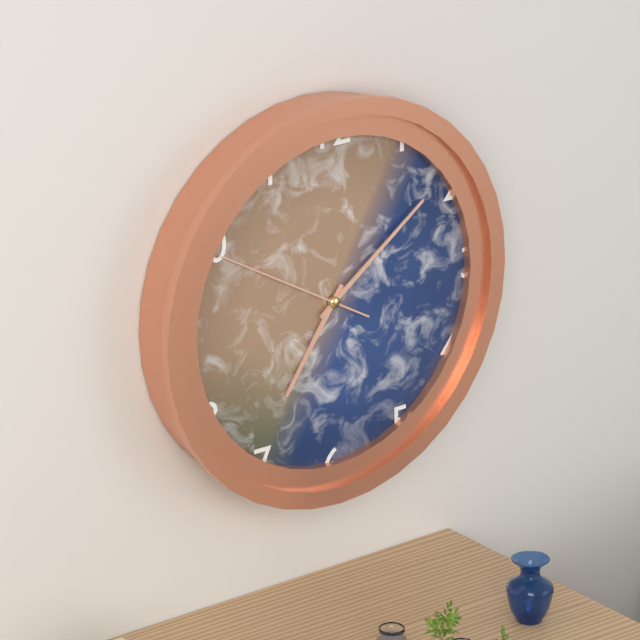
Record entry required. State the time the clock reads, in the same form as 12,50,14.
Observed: 7,09,50
